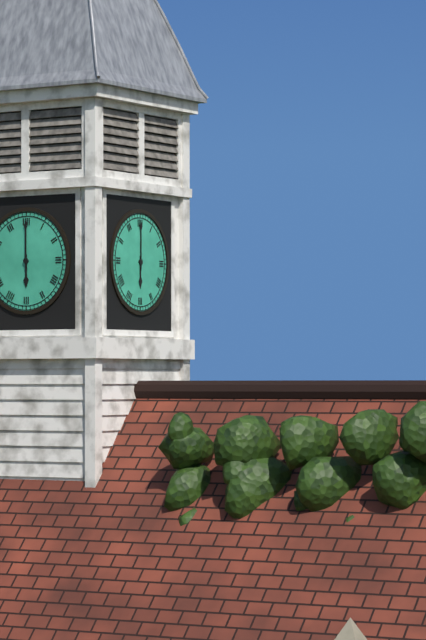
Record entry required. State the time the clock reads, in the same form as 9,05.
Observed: 6,00
